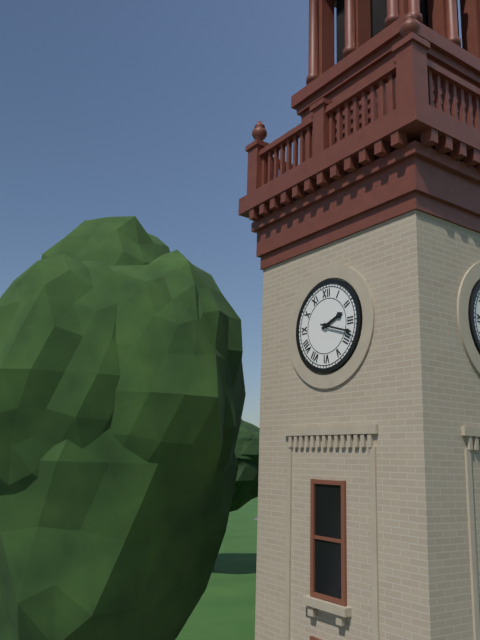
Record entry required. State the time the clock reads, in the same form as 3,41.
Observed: 2,18
